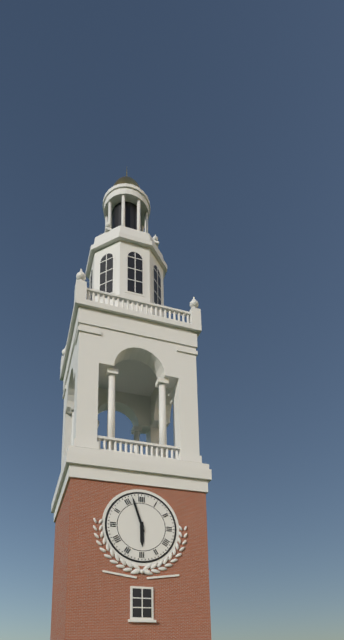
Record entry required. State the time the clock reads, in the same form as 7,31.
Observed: 5,57
